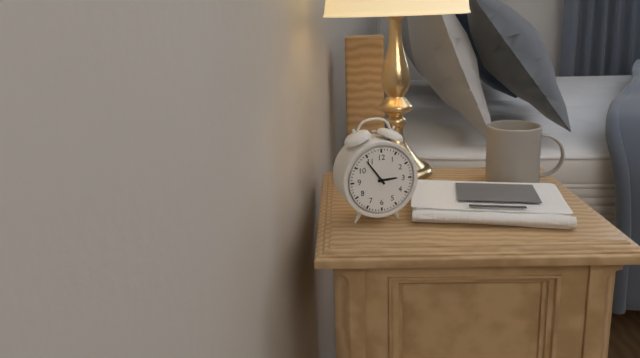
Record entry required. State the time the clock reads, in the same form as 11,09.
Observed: 2,54
